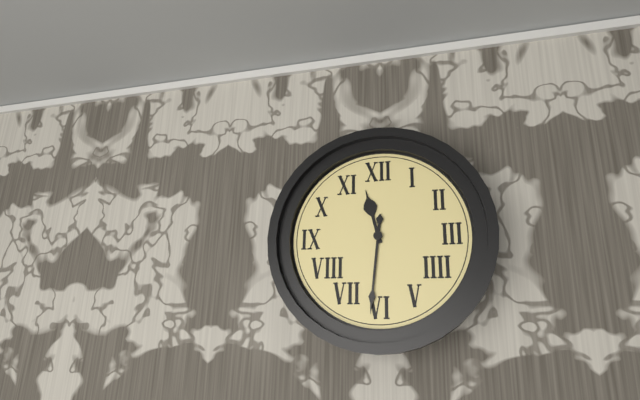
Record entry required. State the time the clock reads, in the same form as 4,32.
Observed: 11,31
